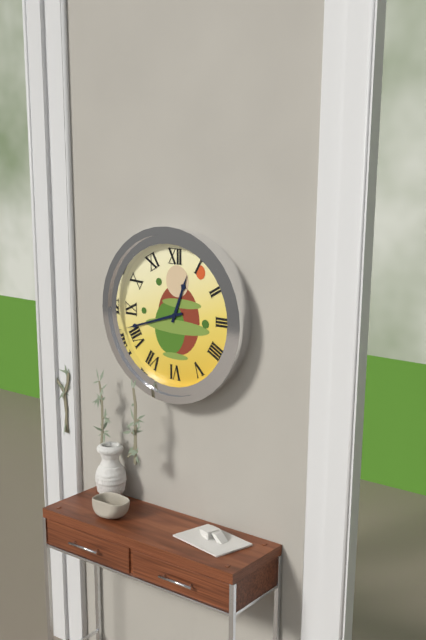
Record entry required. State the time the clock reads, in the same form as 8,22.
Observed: 12,42
